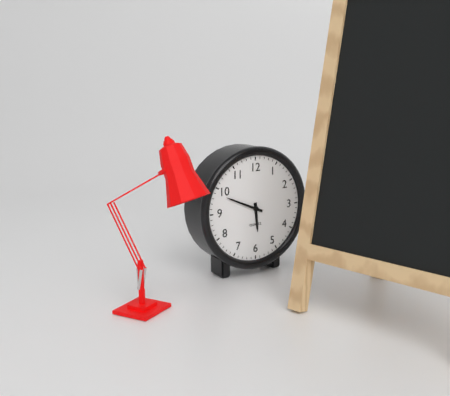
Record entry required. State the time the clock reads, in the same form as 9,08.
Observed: 5,49
